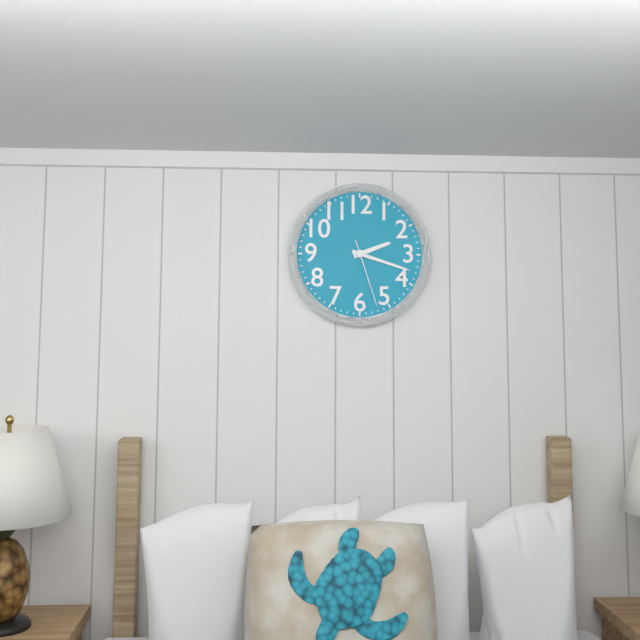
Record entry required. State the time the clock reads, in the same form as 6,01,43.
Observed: 2,18,27
